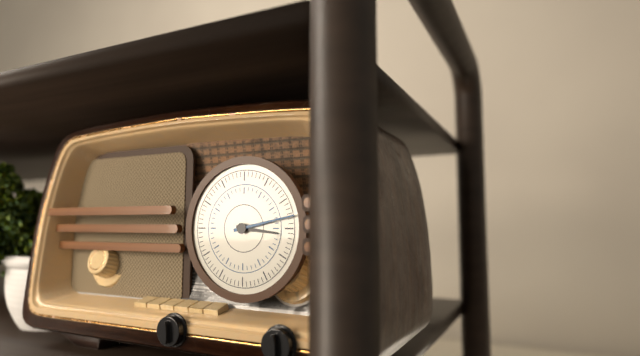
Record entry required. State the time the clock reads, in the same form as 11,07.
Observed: 3,13
